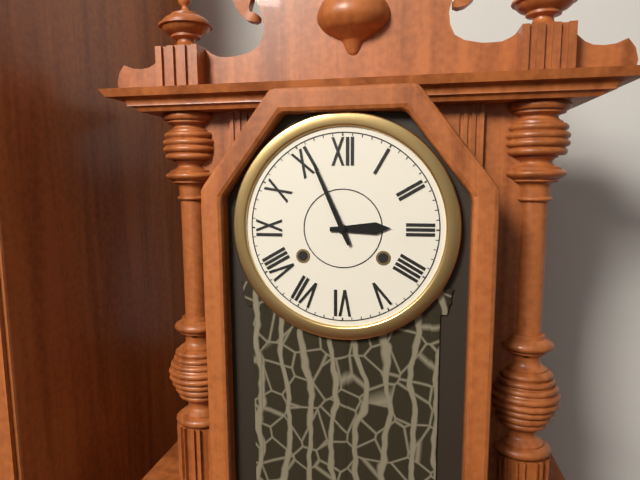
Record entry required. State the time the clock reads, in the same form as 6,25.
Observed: 2,56
